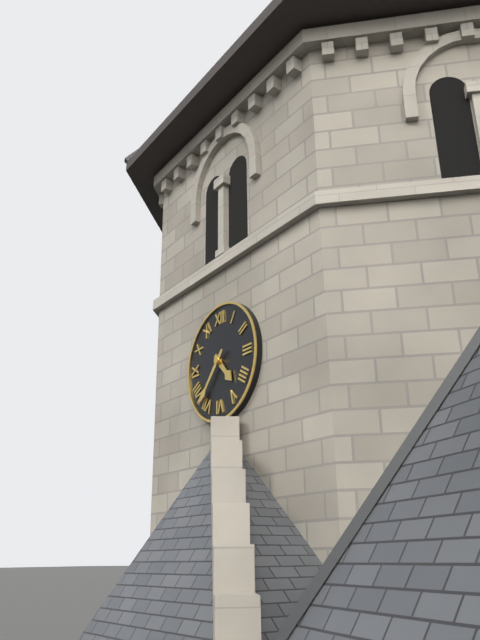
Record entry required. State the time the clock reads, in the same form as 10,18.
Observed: 4,37
